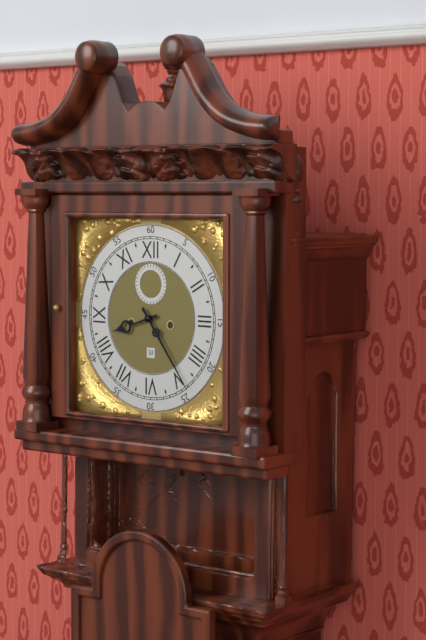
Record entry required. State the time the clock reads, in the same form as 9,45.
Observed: 8,24
